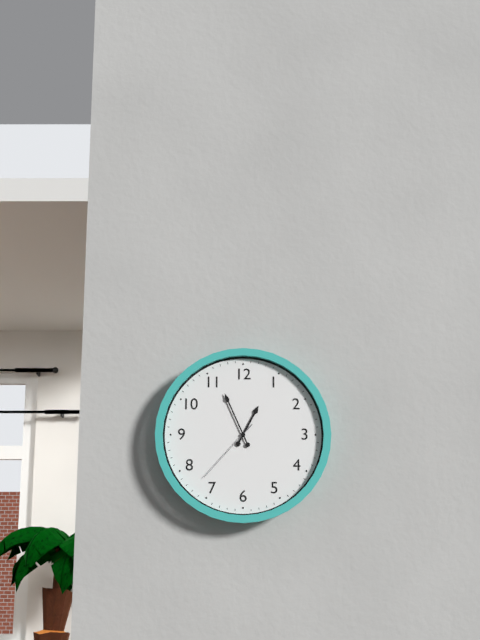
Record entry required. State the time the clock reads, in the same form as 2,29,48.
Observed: 12,56,37
